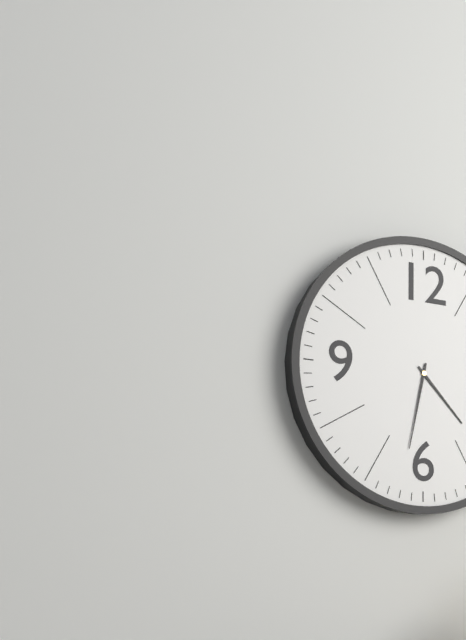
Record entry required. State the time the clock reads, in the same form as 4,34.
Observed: 4,32
